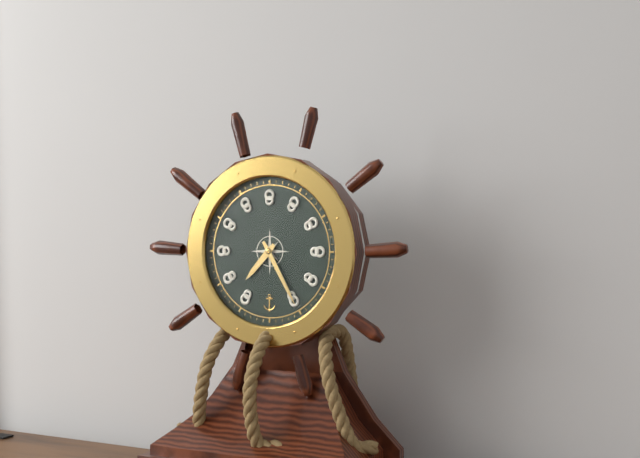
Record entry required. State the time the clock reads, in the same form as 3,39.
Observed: 7,25
